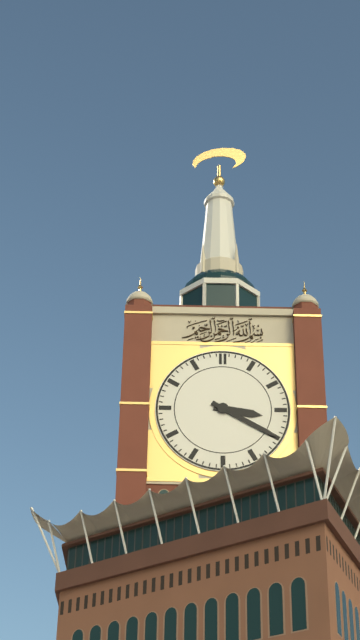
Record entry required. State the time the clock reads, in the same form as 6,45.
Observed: 3,20
